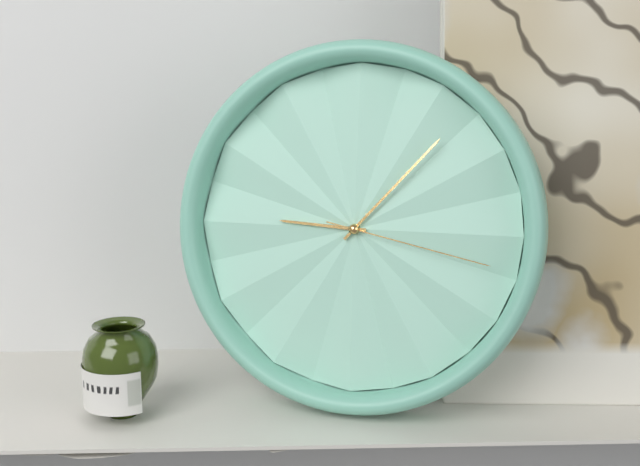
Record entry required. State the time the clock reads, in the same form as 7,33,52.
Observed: 9,07,17
